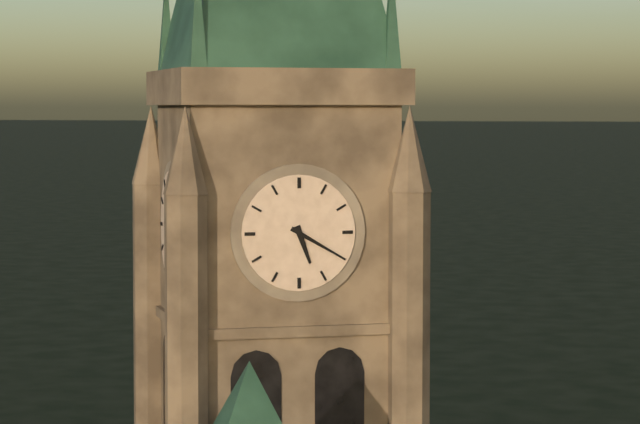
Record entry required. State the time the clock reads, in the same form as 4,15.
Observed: 5,20
